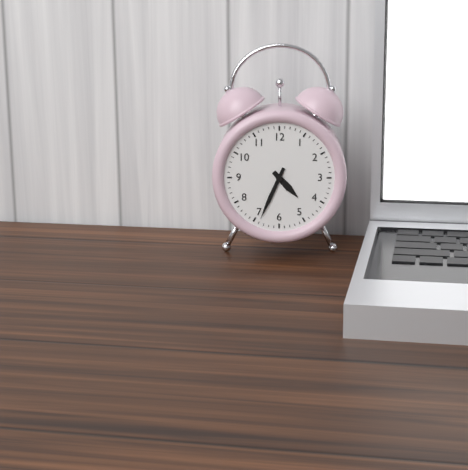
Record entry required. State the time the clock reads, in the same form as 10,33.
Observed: 4,34
